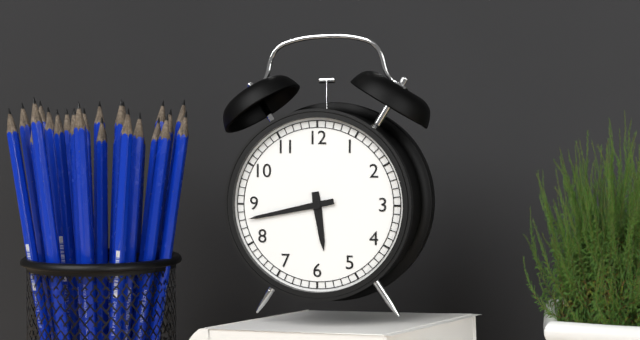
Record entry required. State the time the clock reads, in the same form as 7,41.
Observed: 5,43
